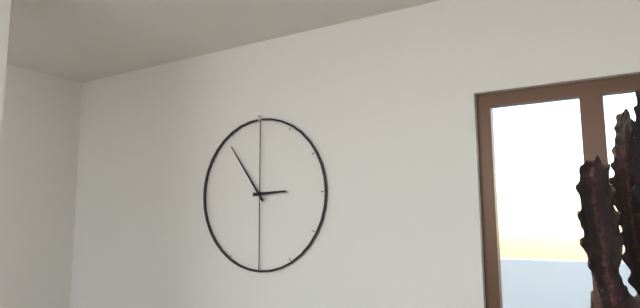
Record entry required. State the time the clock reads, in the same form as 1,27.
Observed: 2,54
